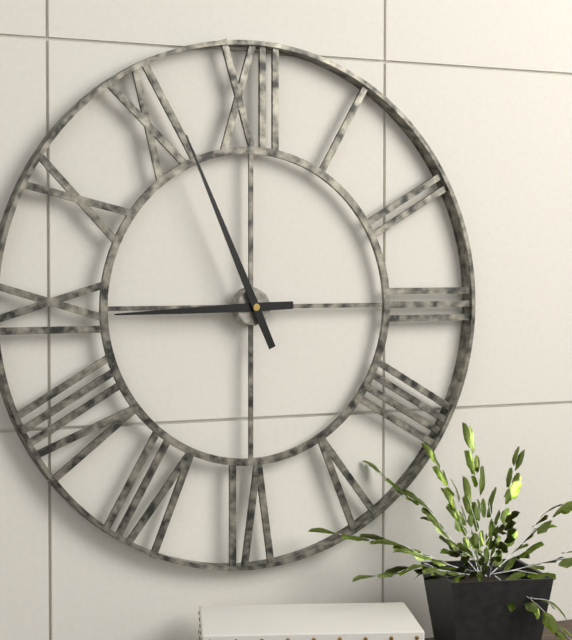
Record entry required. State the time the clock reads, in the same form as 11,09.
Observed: 8,56
